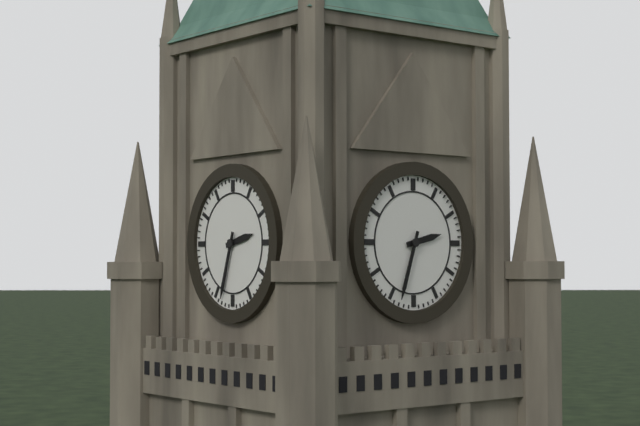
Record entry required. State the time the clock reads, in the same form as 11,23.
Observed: 2,33
